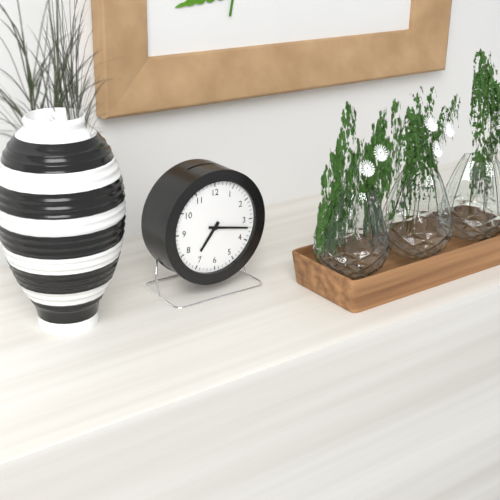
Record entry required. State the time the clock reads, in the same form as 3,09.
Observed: 7,17
